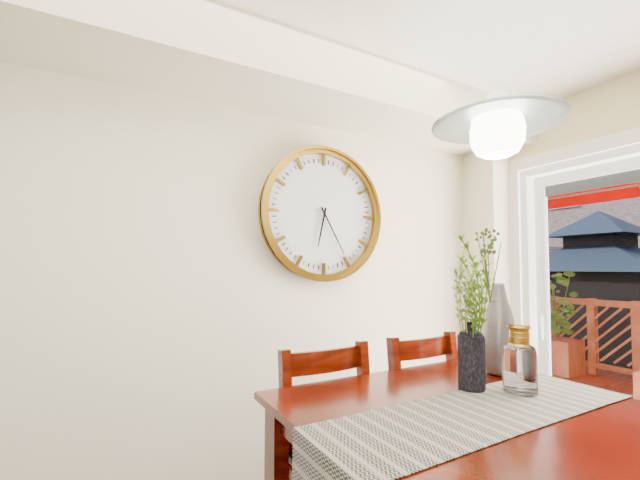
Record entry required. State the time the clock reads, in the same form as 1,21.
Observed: 6,25
